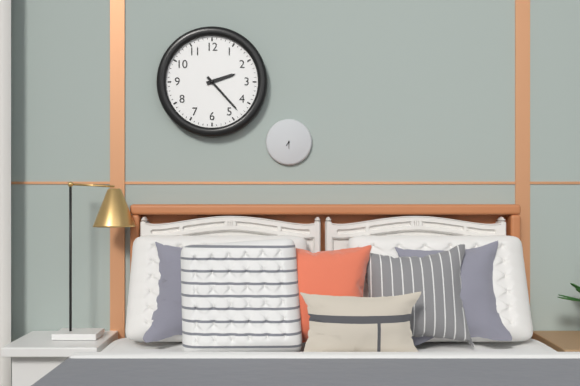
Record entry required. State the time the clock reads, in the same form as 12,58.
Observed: 2,23
